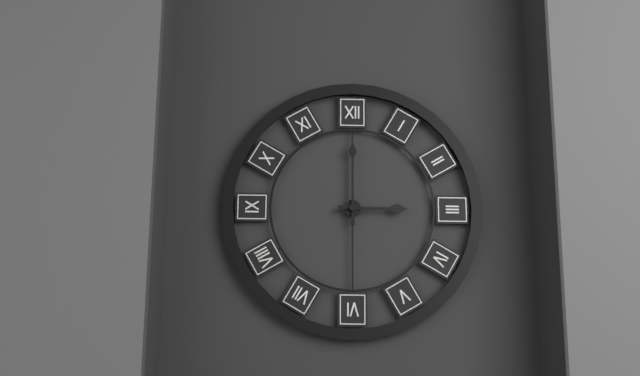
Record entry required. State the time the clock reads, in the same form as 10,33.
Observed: 3,00
